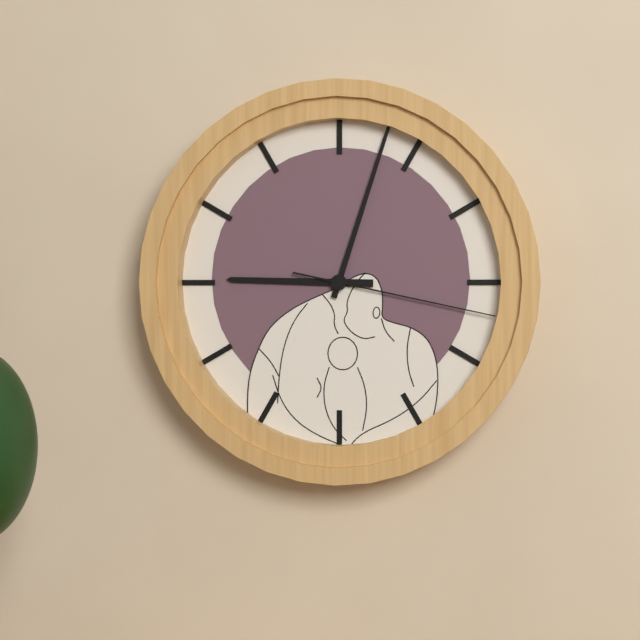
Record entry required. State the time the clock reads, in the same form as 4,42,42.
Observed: 9,03,17
